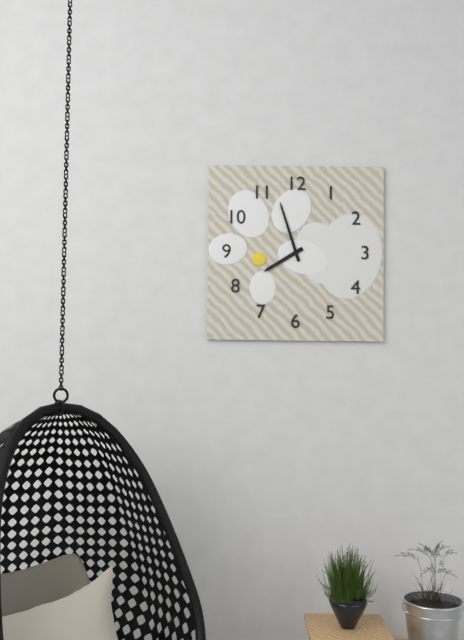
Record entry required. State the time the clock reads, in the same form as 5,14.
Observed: 7,57
